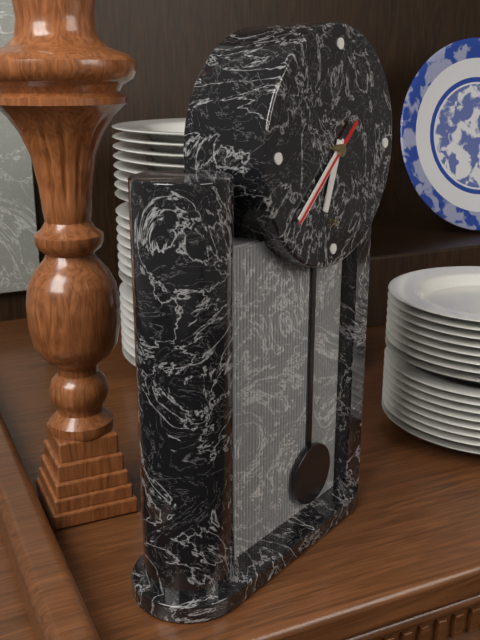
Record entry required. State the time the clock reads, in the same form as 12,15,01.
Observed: 6,38,38
